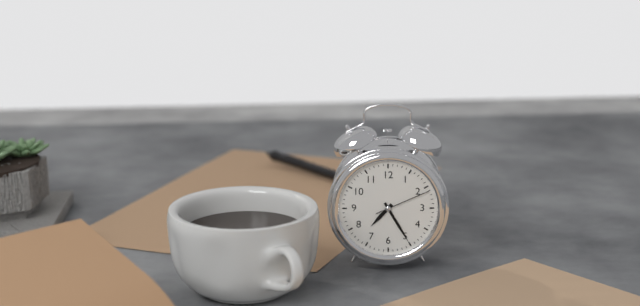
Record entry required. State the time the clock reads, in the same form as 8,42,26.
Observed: 7,25,11
